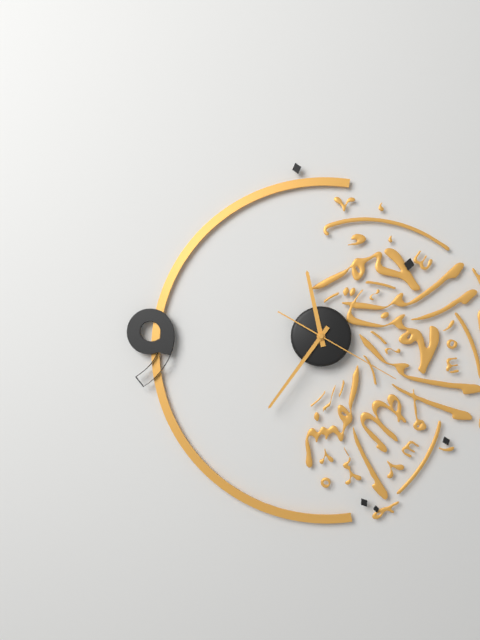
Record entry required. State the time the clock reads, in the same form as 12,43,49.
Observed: 11,36,20
